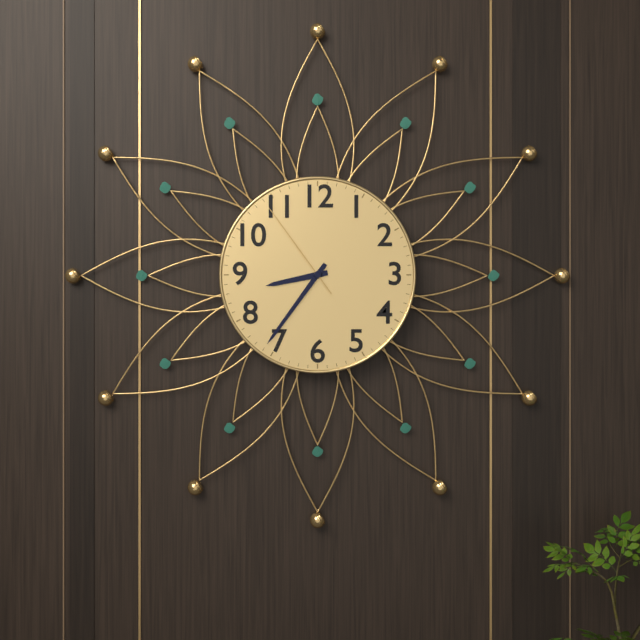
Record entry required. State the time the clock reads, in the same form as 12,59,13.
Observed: 8,36,54
